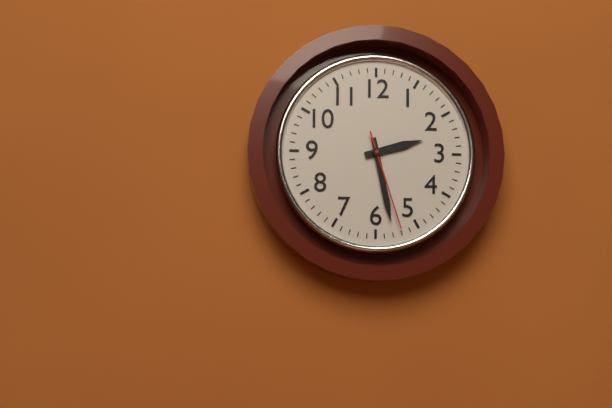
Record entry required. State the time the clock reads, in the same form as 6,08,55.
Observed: 2,28,27
